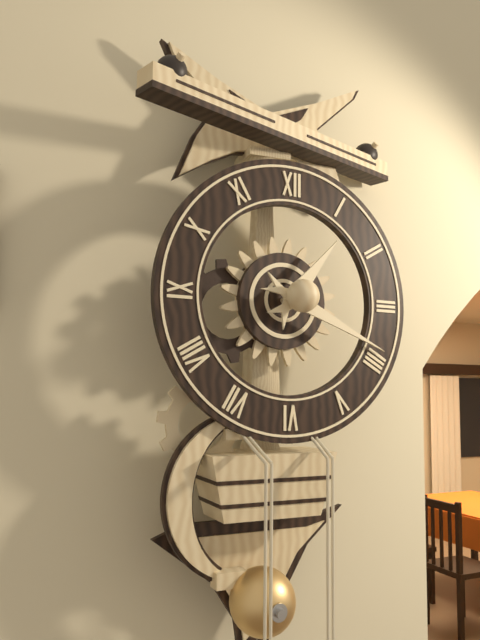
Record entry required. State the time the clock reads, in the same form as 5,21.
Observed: 1,19
